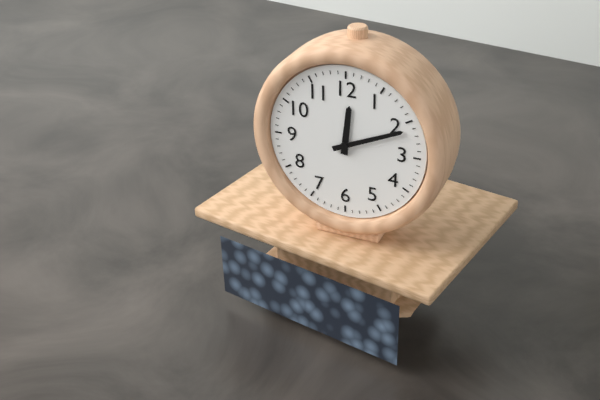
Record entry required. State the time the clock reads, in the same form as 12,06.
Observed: 12,11
